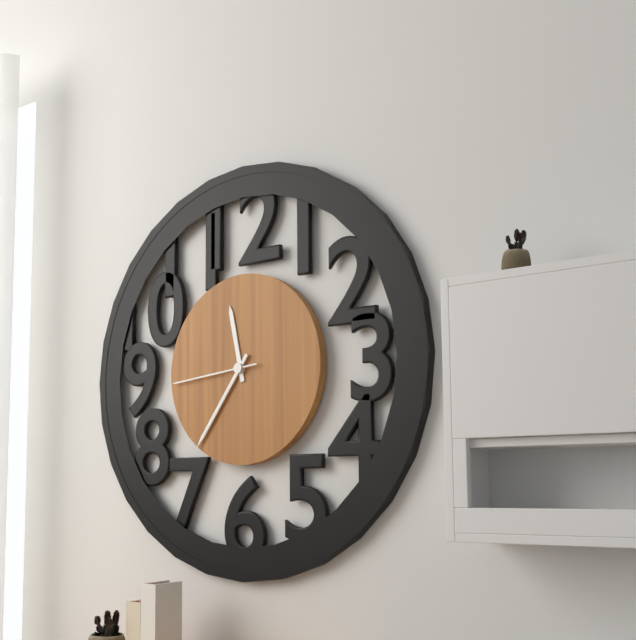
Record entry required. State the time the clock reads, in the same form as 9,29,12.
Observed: 11,36,44
